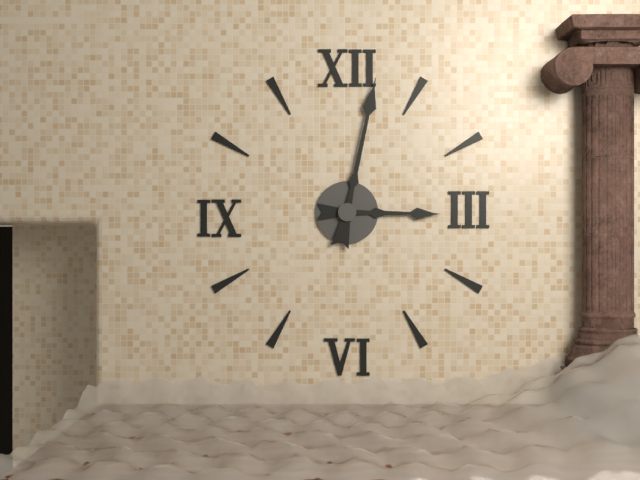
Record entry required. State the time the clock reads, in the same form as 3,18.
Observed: 3,02
